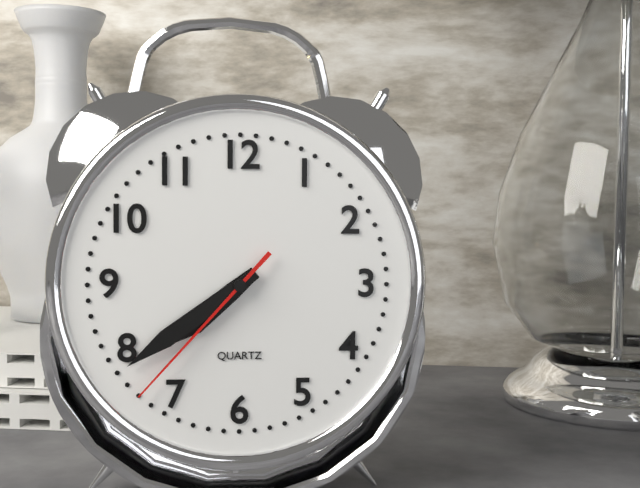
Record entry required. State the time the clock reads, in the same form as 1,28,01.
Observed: 7,39,37
